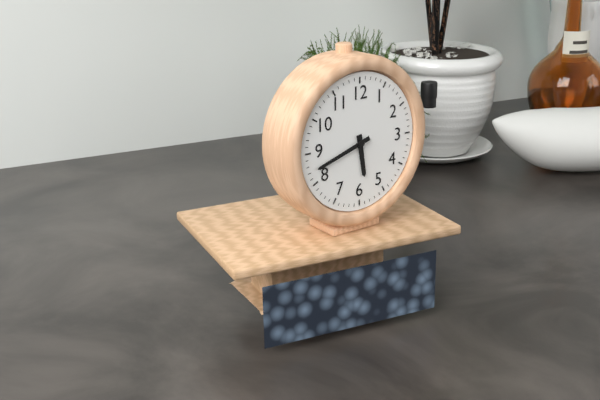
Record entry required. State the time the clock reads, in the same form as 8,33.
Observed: 5,42
